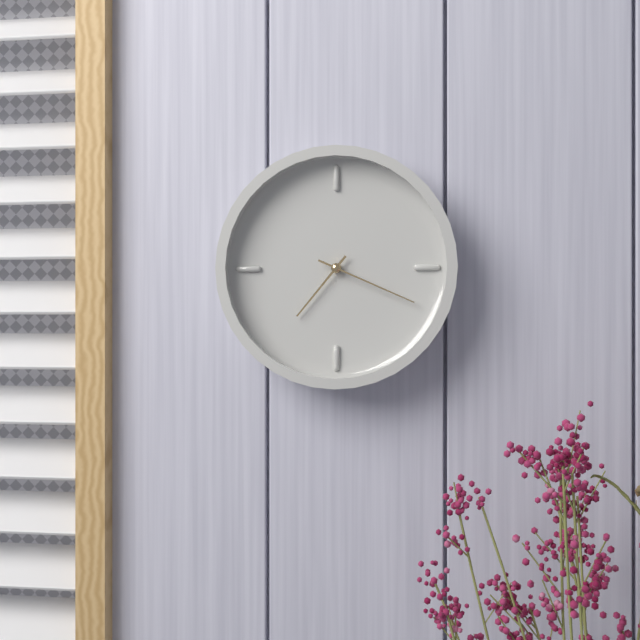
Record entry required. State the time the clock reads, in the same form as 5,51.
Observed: 7,19
